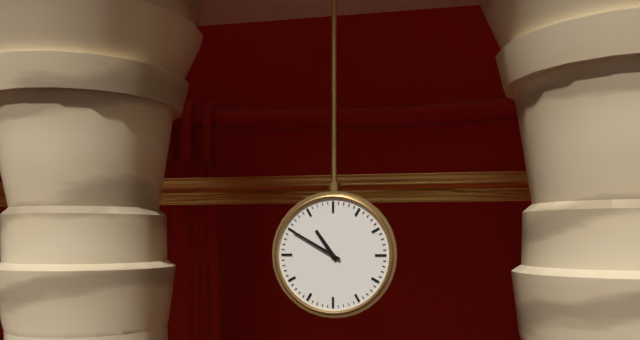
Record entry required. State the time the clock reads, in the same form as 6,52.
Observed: 10,50
